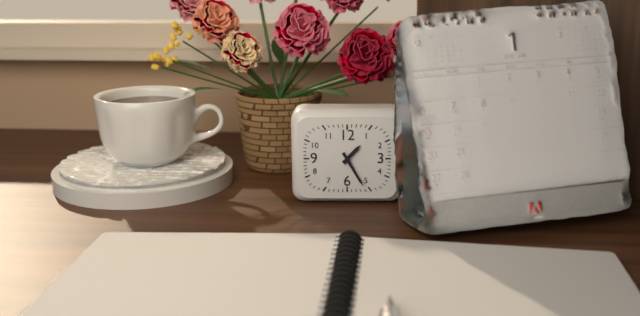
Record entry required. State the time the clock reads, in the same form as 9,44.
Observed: 1,25
